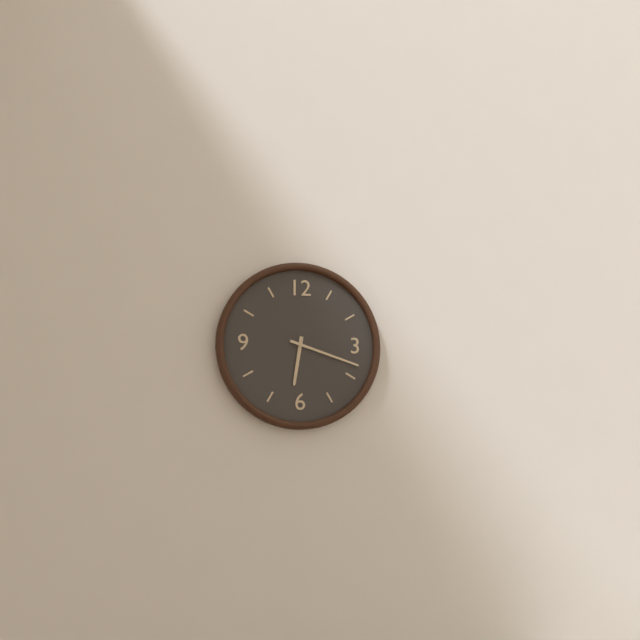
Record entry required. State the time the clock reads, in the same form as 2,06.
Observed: 6,18
